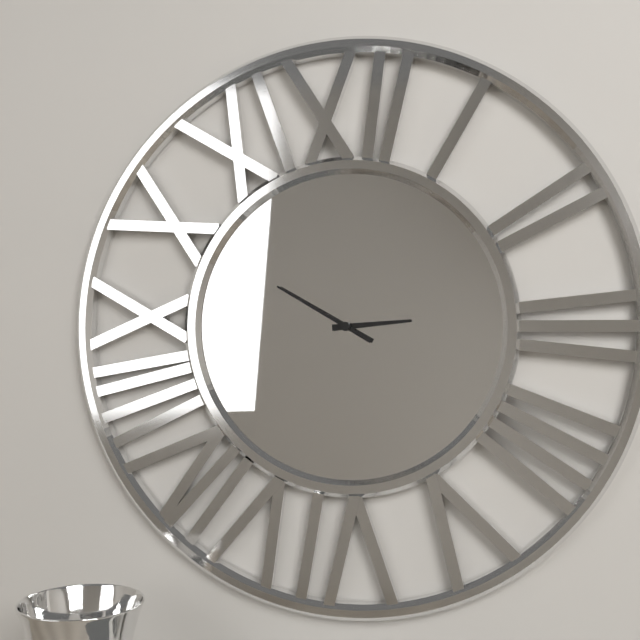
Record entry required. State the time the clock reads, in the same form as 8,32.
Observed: 2,50
